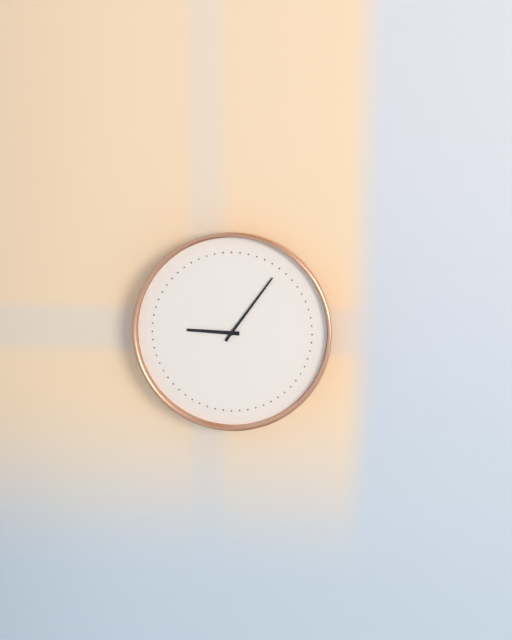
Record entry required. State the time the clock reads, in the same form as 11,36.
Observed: 9,06
